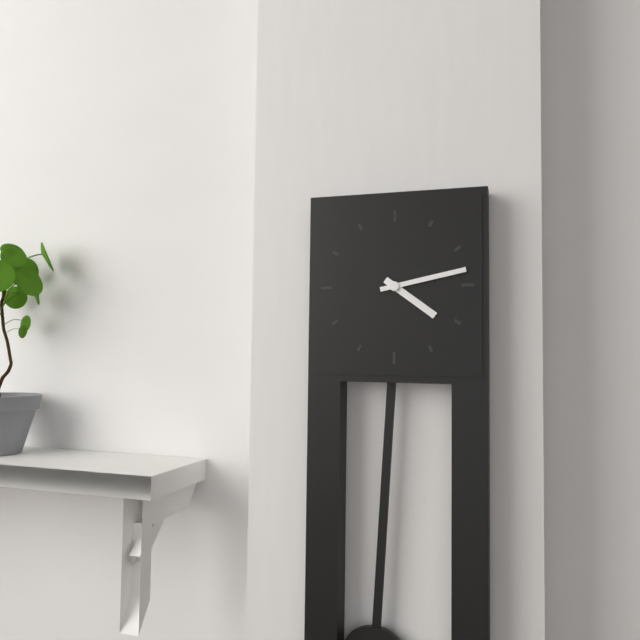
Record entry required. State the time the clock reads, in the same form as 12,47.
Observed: 4,13
